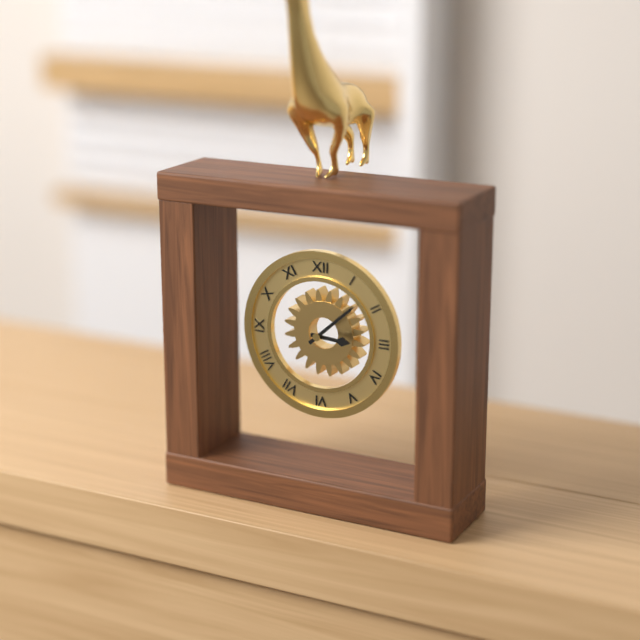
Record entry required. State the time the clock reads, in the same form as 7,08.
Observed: 3,08
